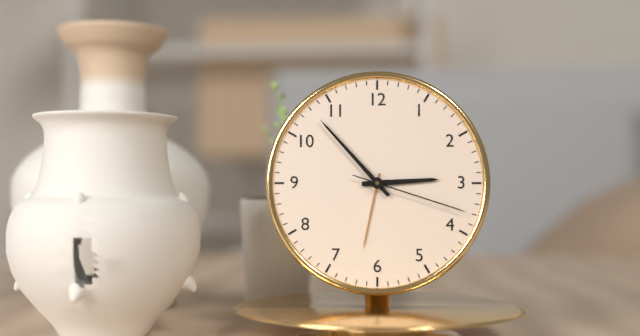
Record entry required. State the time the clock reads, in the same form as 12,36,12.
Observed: 2,53,18
